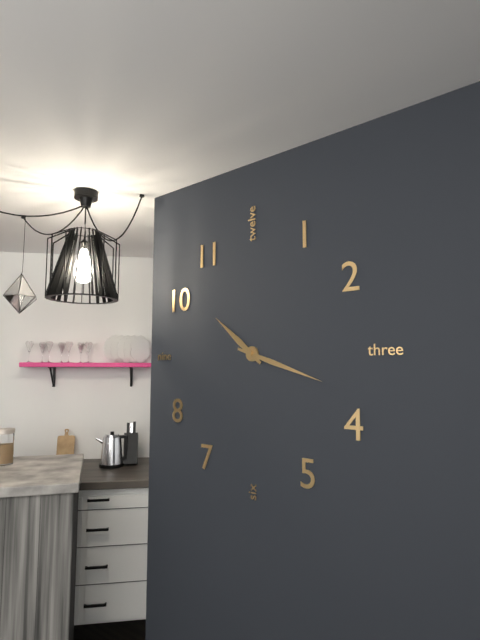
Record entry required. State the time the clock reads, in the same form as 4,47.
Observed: 10,18
